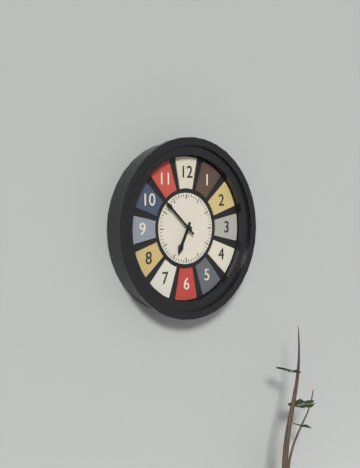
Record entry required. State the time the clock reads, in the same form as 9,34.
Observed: 6,52
